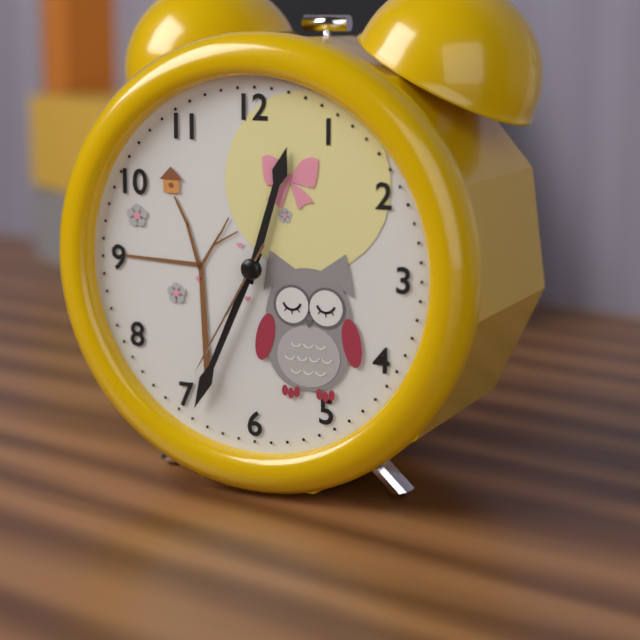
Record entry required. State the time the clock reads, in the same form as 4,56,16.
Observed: 12,34,35
